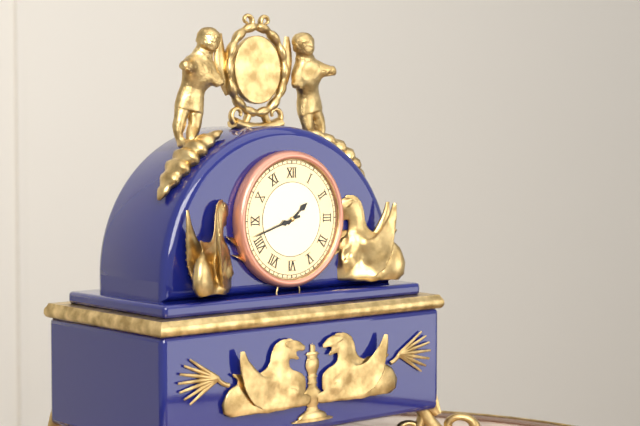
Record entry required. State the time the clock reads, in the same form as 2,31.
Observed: 1,42
